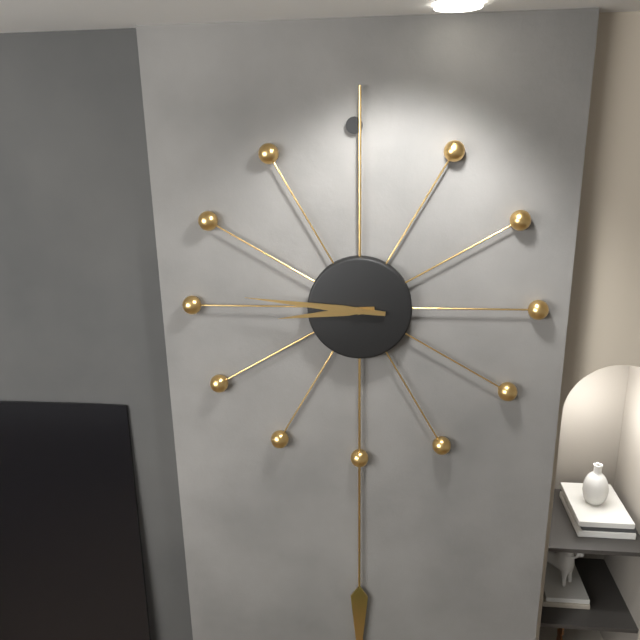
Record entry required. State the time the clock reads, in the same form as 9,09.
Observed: 8,46
